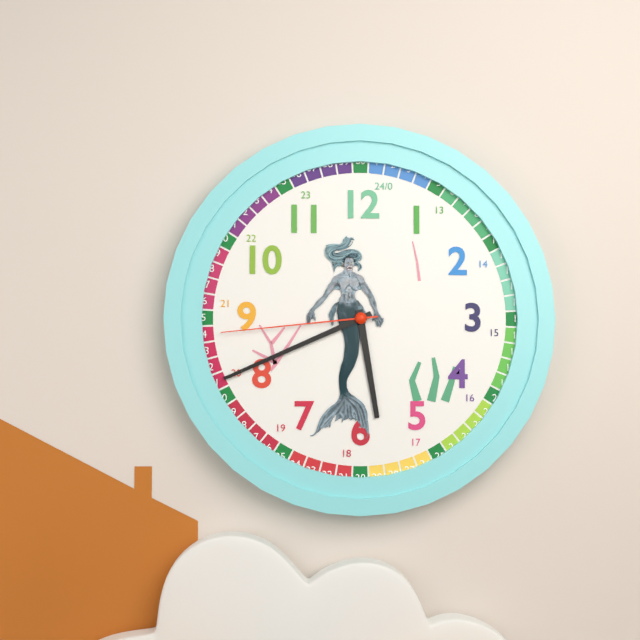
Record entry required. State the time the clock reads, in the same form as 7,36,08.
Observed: 5,41,44
